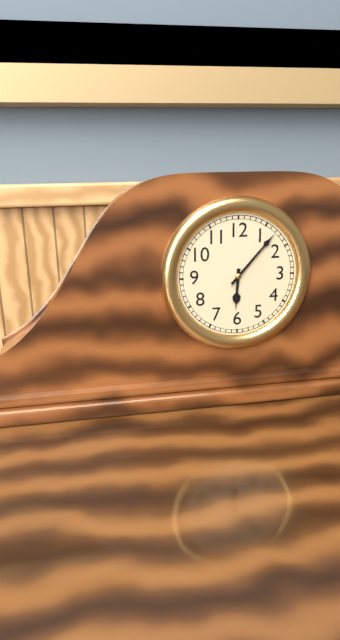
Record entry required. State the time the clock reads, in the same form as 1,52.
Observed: 6,07
